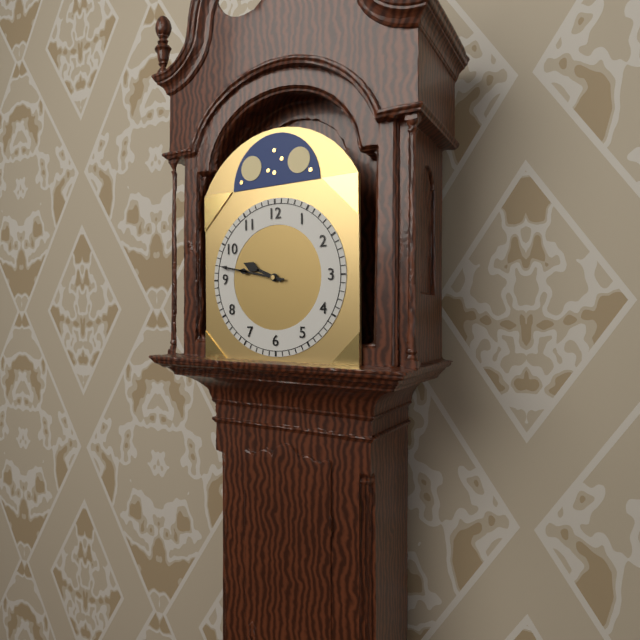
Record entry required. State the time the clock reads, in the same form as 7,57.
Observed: 9,47
